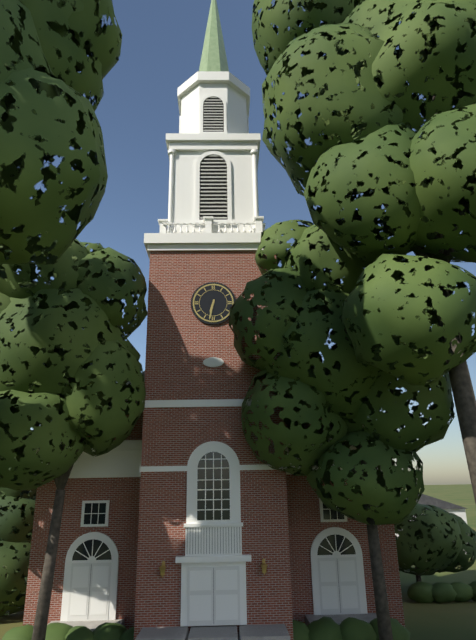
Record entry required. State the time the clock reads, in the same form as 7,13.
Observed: 6,32
